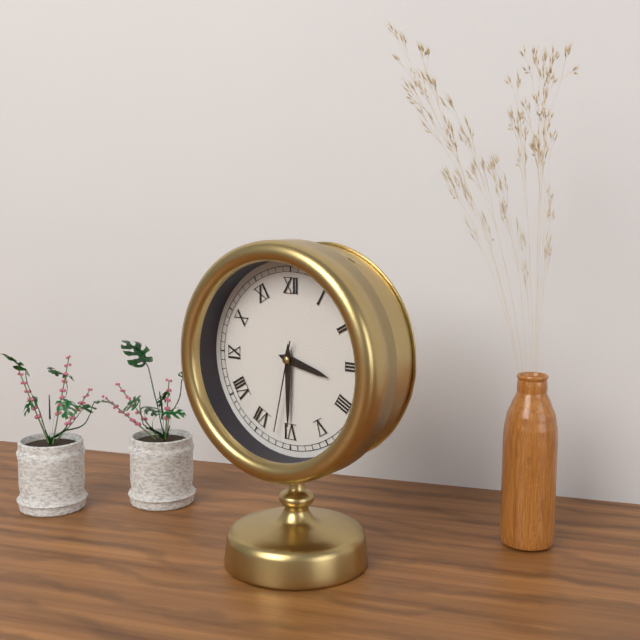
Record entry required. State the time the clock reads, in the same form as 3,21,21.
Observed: 3,30,32
